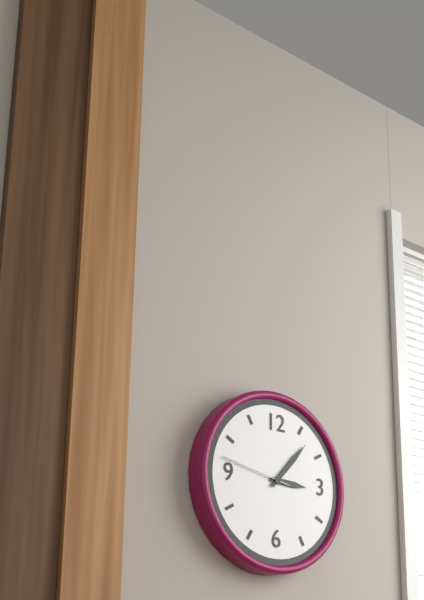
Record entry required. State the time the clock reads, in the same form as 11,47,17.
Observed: 3,07,47
